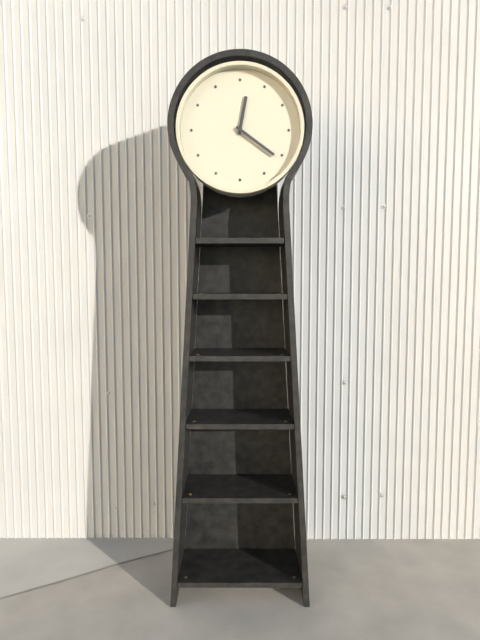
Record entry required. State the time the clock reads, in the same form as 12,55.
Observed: 12,21
